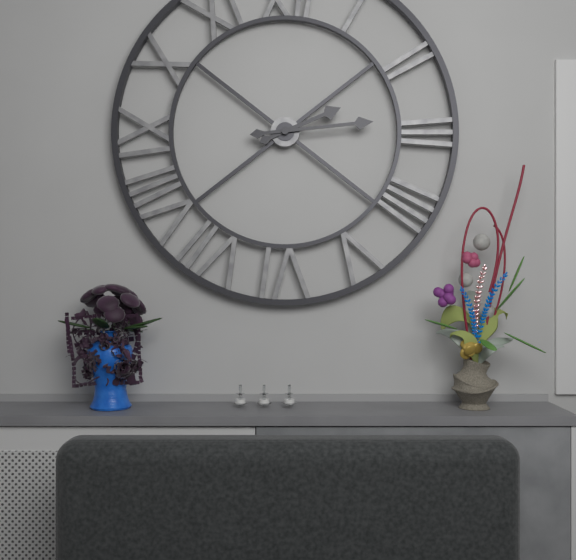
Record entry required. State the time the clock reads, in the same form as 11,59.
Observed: 2,14
